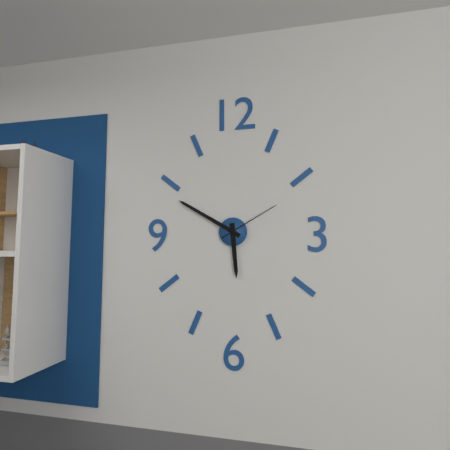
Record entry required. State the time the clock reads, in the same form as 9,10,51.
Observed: 5,50,10
